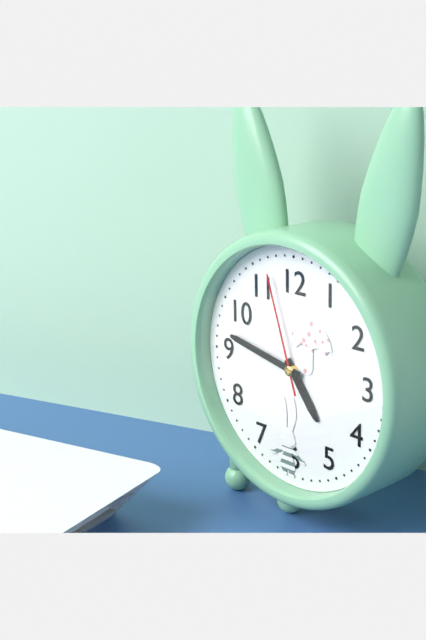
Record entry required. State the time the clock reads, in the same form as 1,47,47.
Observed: 4,47,57
